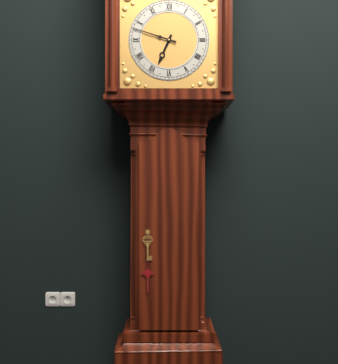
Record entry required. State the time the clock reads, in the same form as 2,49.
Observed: 6,48
